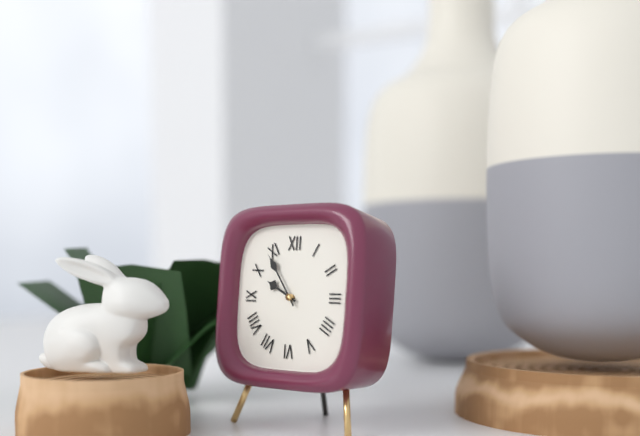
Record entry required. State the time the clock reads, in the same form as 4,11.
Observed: 9,54
